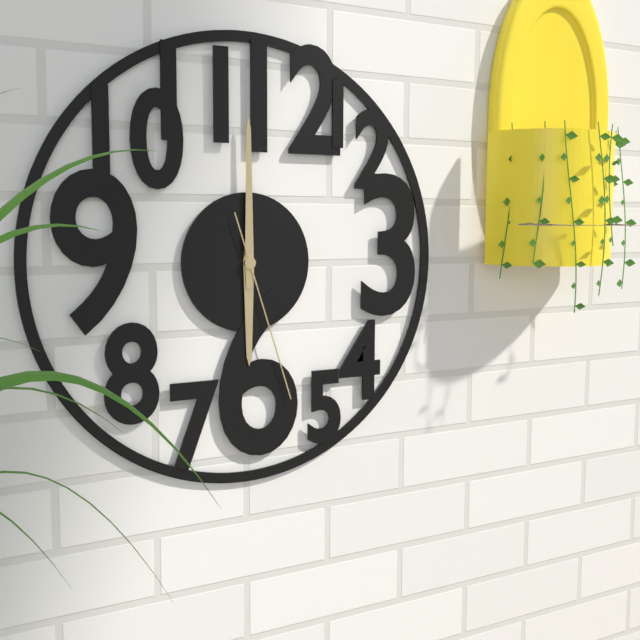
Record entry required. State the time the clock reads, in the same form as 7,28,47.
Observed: 6,00,27
